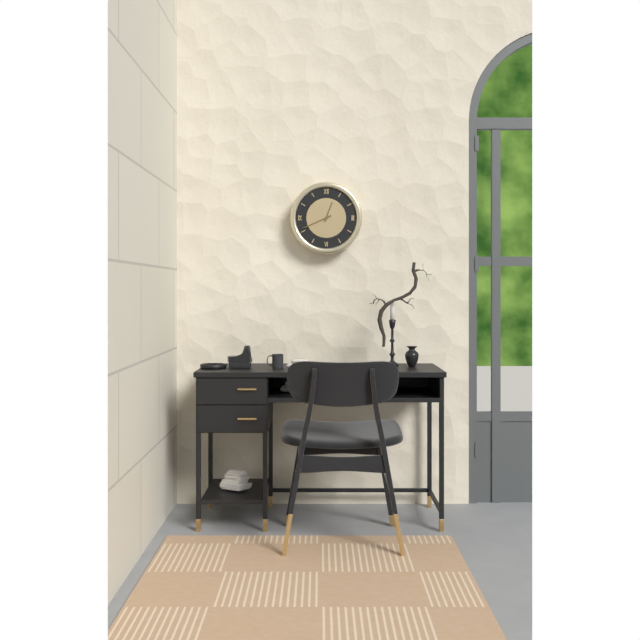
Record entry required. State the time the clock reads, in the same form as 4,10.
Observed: 12,41
